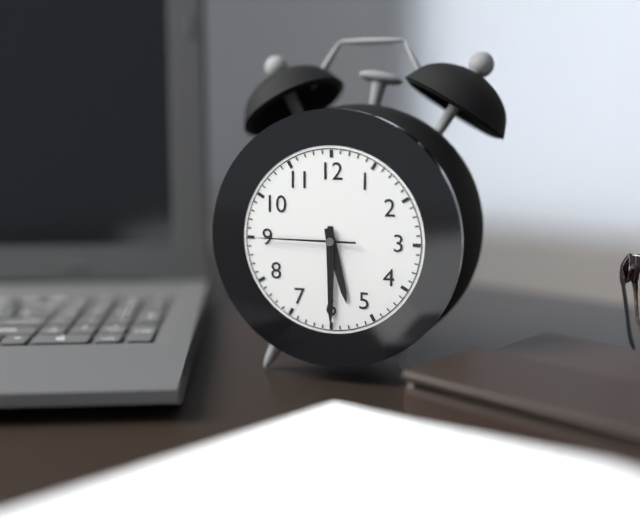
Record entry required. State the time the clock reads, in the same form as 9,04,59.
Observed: 5,30,45
